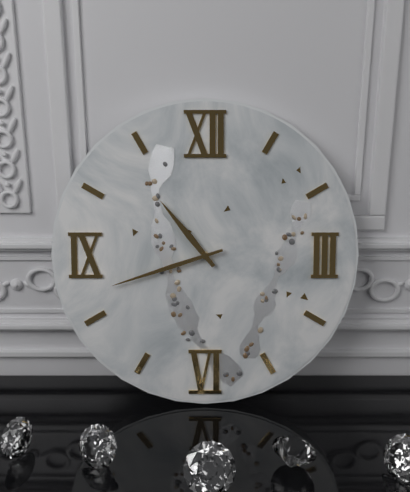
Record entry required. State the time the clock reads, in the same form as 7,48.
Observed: 10,42
